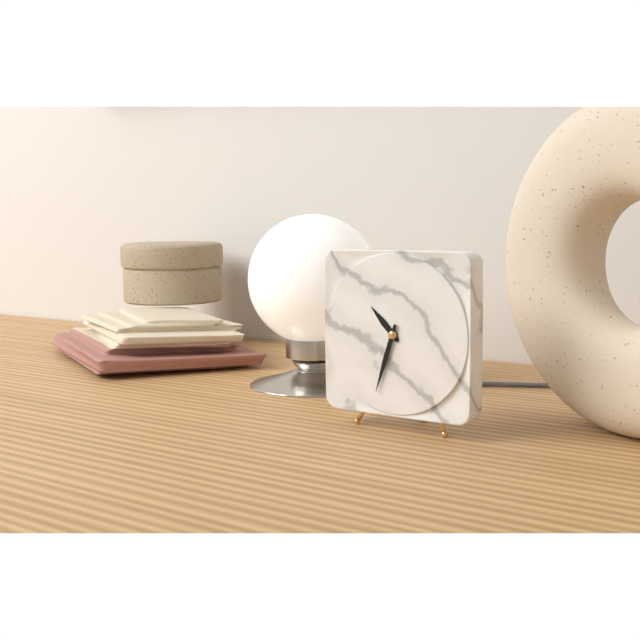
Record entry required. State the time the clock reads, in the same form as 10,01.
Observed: 10,33
